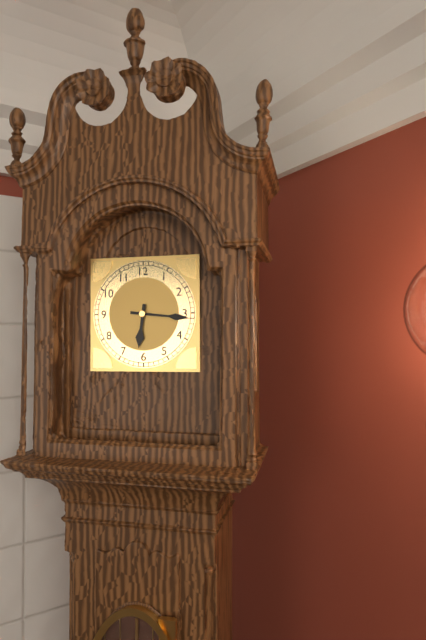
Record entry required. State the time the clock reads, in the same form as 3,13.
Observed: 6,16
